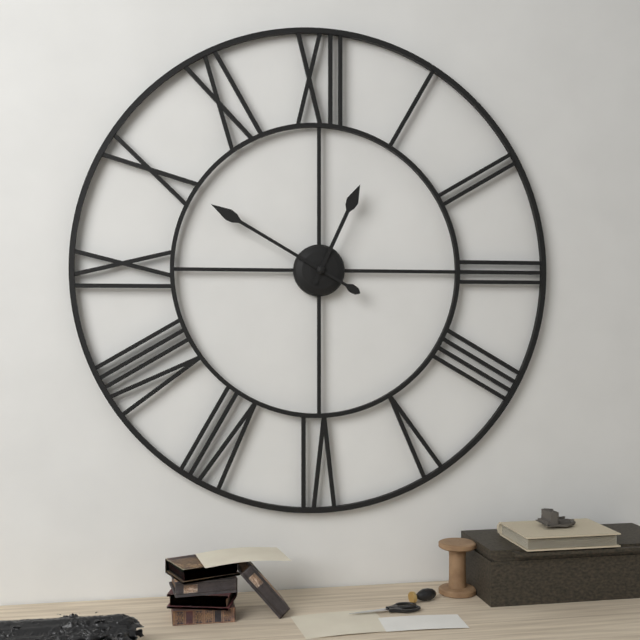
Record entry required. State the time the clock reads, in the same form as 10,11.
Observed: 12,50
